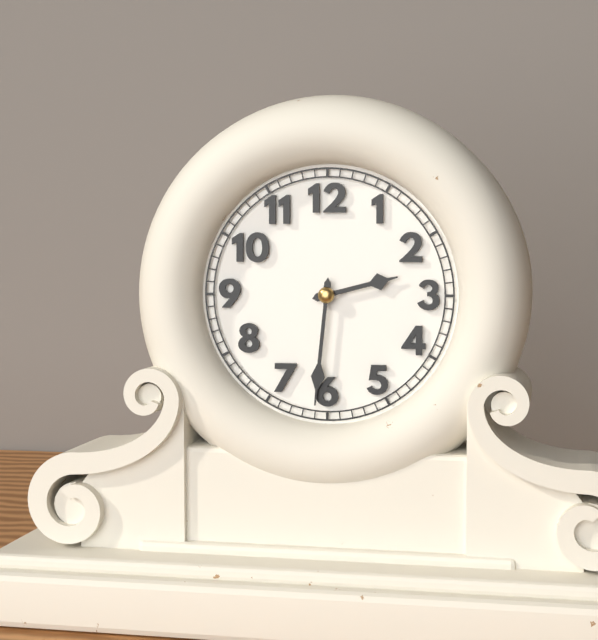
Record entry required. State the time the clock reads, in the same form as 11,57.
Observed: 2,31
